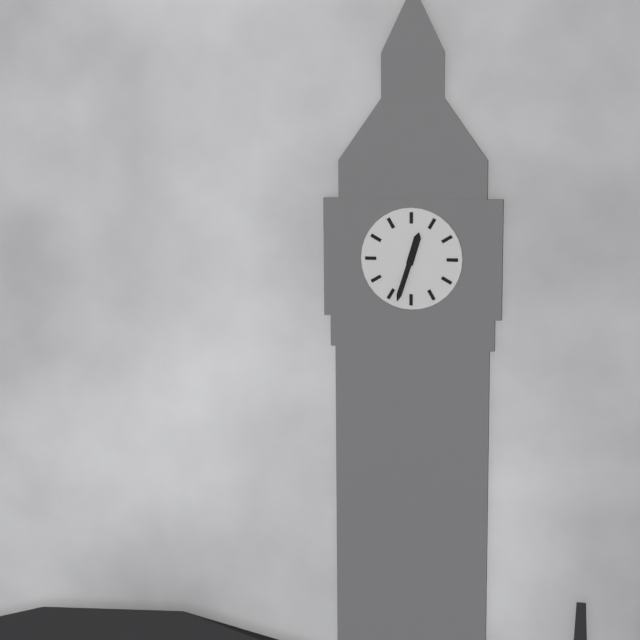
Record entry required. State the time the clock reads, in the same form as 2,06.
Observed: 12,33
